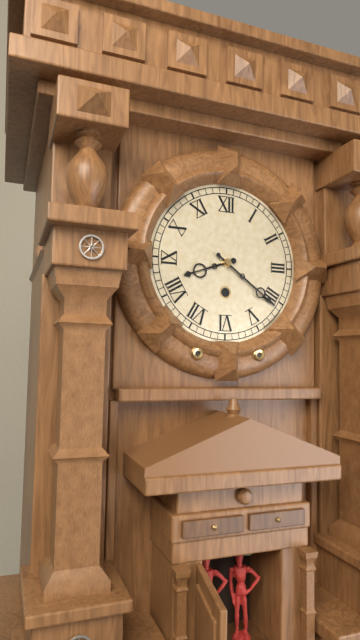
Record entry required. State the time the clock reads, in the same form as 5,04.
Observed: 8,21
